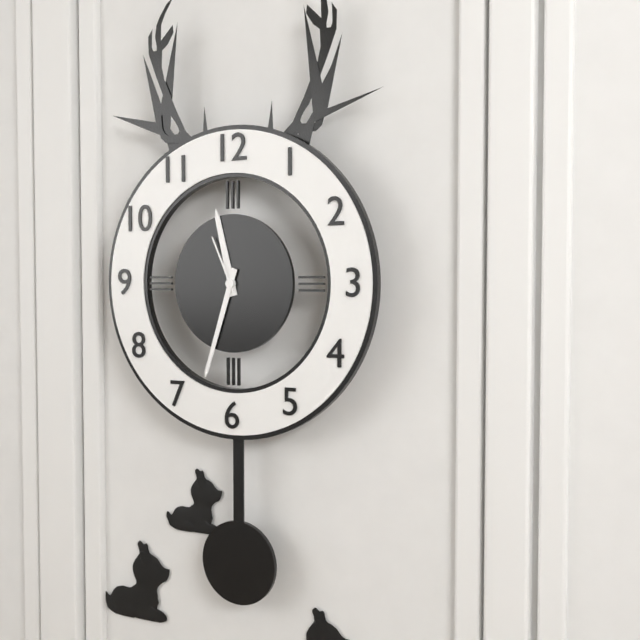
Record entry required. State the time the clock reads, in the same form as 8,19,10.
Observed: 11,33,56
